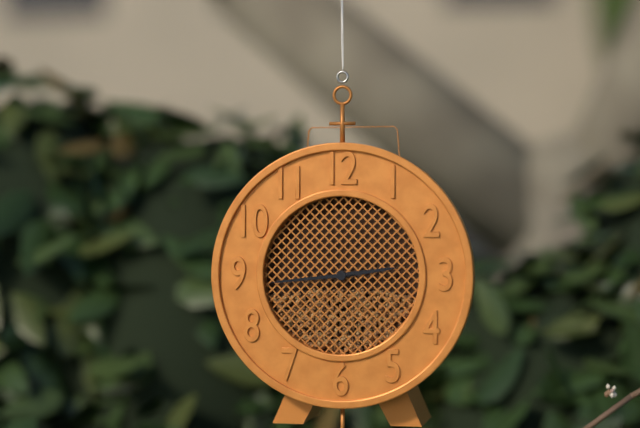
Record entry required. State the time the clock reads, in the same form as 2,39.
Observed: 2,44
